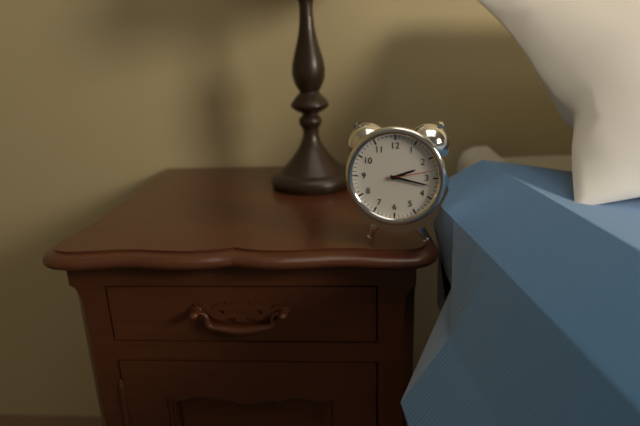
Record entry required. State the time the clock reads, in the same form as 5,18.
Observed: 2,17
